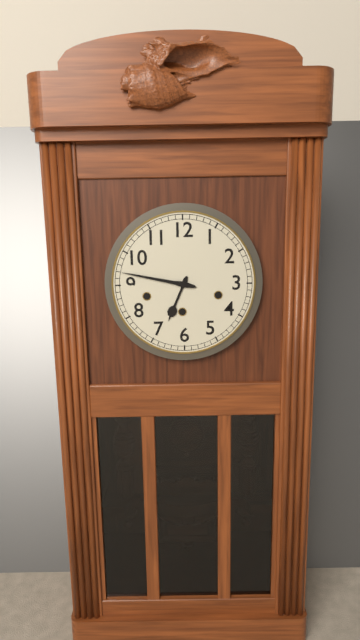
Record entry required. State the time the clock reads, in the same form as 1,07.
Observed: 6,47
